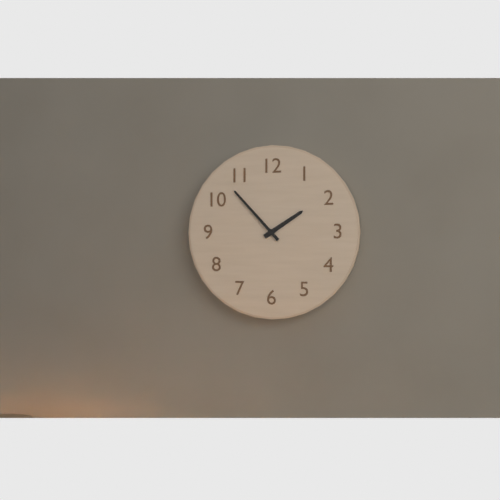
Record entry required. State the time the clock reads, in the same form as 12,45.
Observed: 1,53
